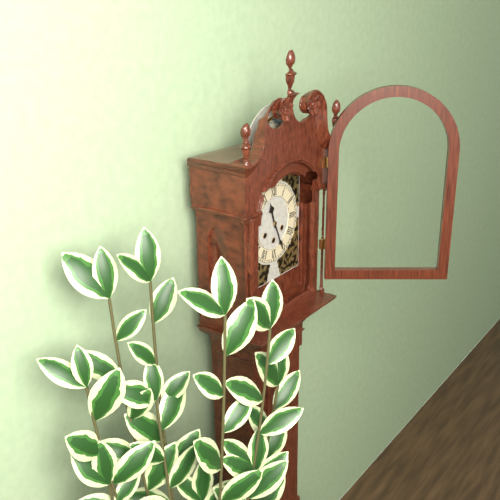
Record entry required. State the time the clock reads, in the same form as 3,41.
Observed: 11,26
